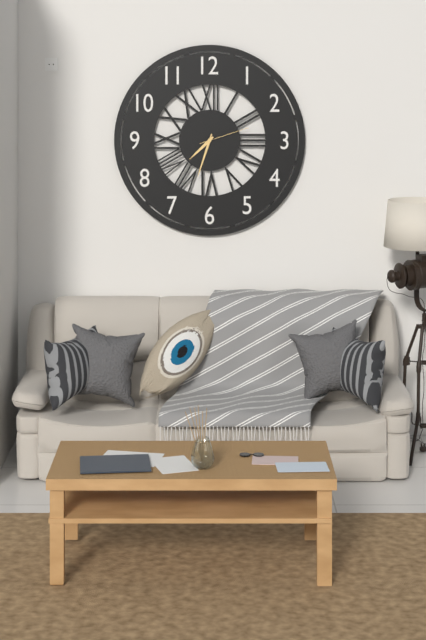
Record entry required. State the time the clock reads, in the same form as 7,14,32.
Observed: 7,33,12
